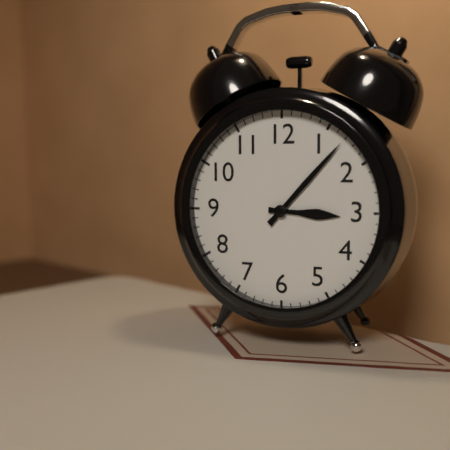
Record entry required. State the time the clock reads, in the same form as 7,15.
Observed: 3,07
